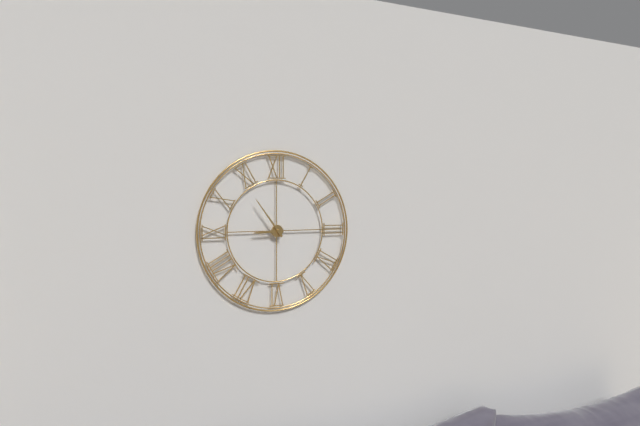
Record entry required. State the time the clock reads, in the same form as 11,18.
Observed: 8,54
